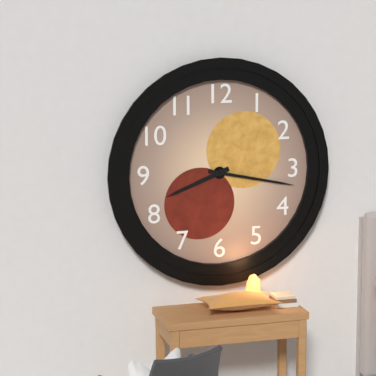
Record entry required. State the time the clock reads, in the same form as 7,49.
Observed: 8,17
